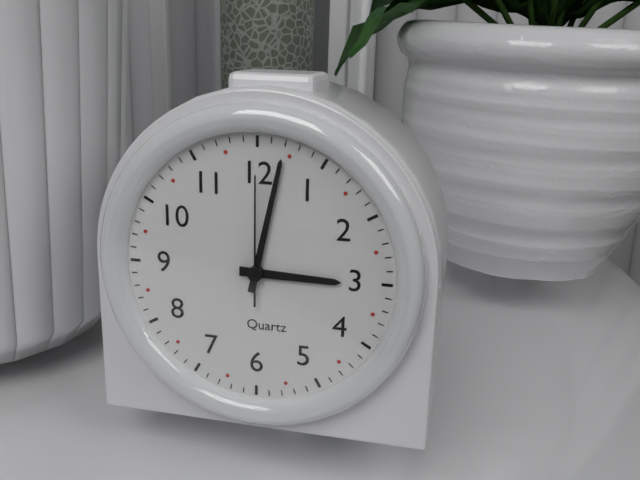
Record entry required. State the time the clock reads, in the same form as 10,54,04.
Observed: 3,02,00
